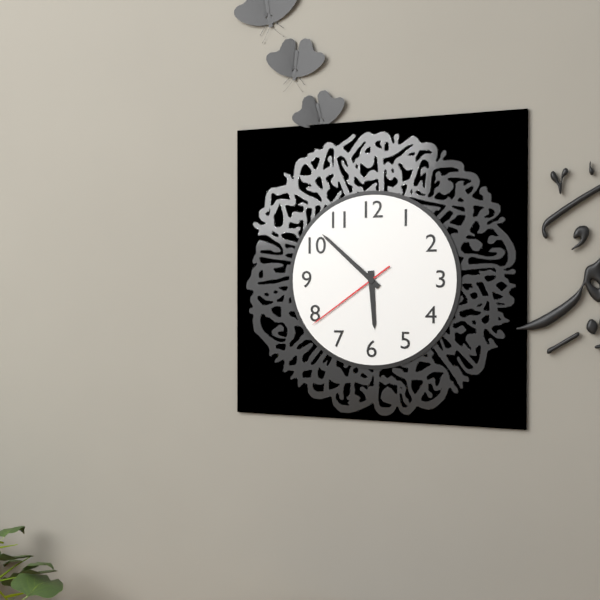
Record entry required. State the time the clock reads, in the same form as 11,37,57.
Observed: 5,52,39
